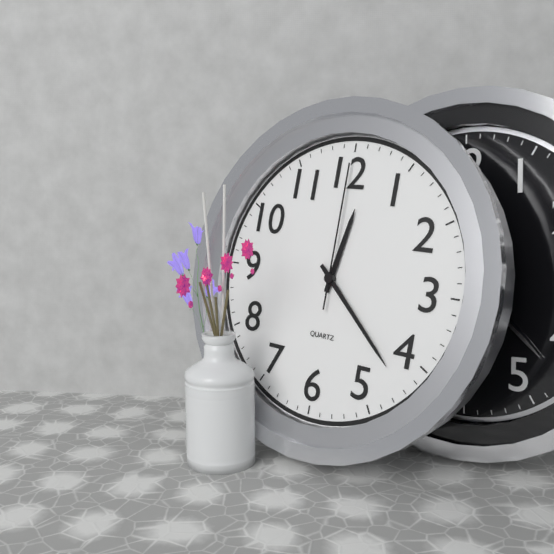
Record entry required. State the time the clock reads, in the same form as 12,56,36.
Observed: 12,22,00
